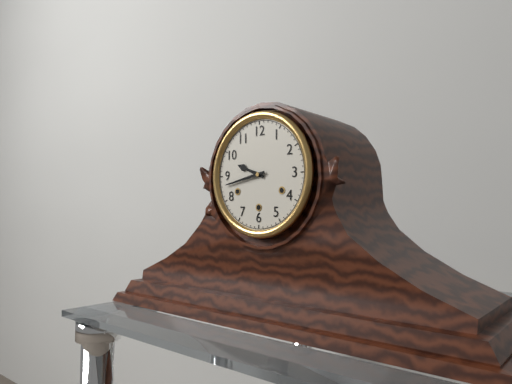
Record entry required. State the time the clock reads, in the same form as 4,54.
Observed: 9,43
